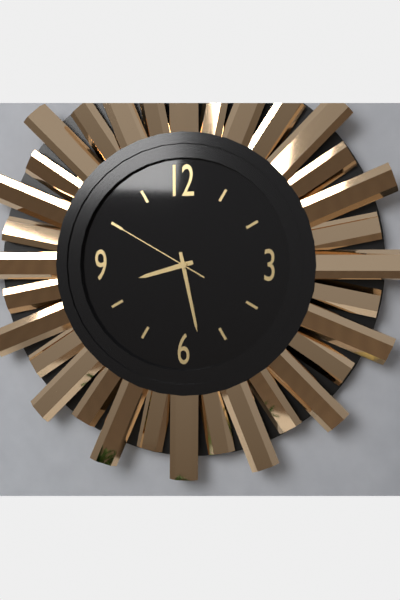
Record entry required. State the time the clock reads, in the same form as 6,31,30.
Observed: 8,28,50
